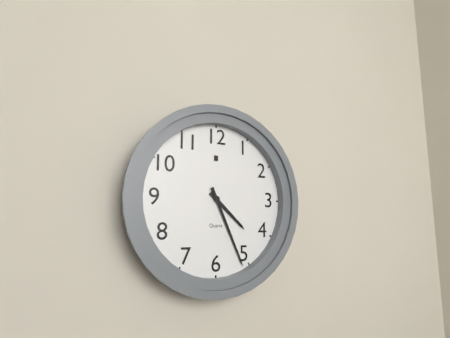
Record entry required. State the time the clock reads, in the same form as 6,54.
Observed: 4,26
